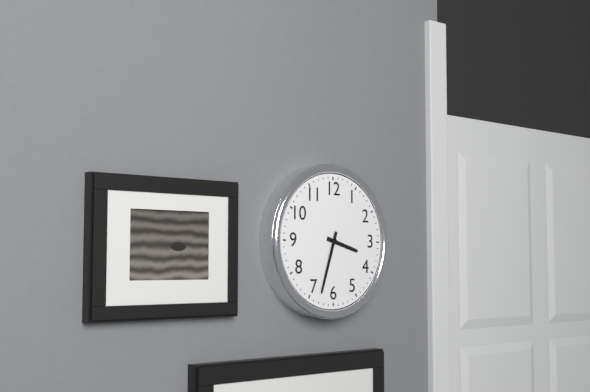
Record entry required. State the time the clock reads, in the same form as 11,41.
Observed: 3,33
